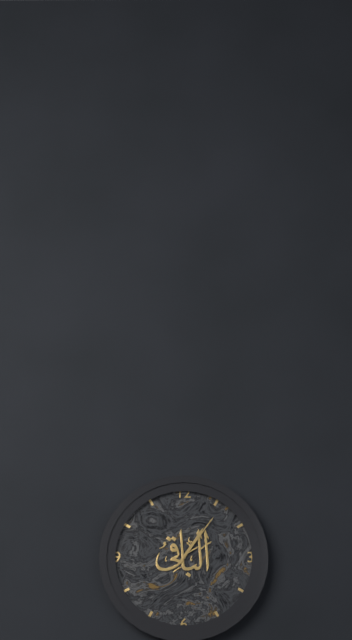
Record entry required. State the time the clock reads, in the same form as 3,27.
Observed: 1,06
